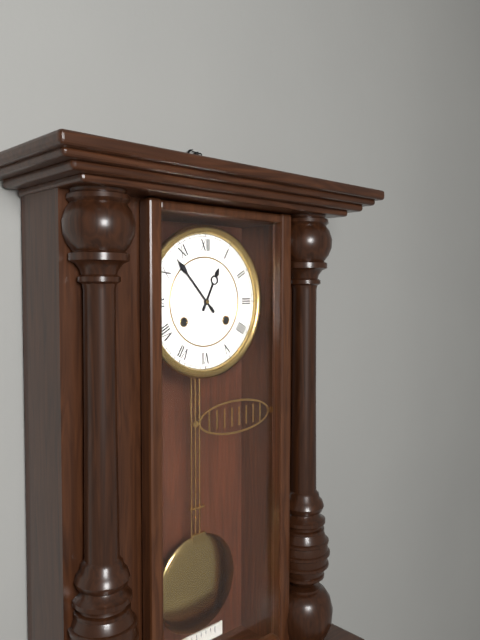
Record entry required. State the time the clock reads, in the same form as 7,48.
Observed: 12,53
